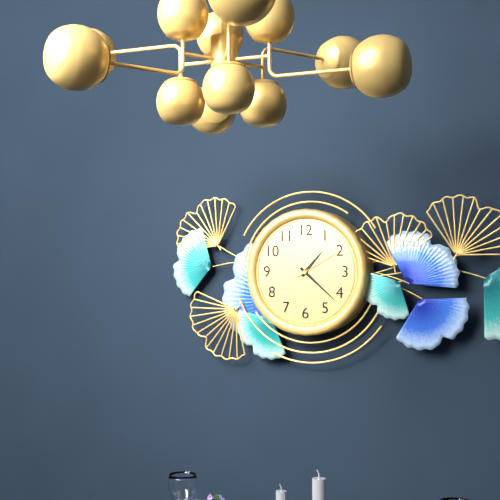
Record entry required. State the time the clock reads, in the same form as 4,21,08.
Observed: 1,22,10
